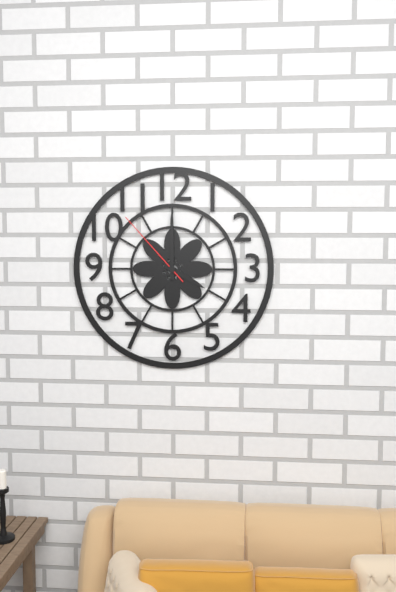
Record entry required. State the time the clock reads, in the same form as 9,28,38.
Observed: 4,00,53
